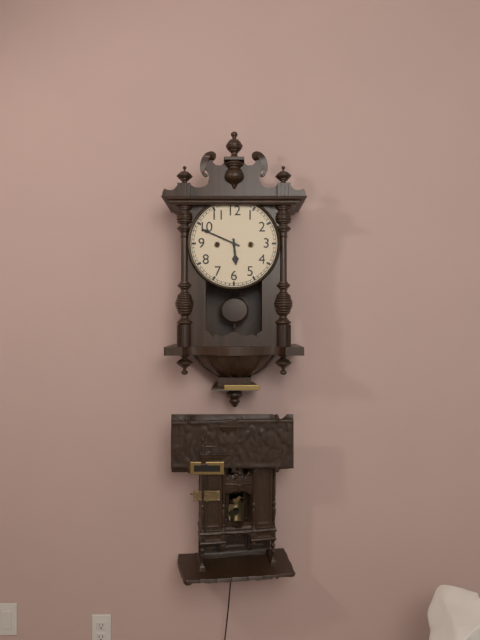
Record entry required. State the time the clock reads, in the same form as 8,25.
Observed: 5,49
